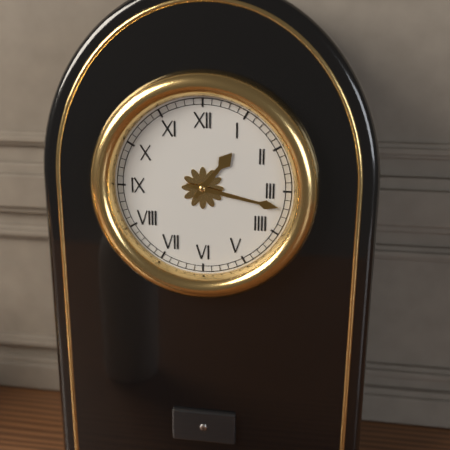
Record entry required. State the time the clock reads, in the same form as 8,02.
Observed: 1,17
